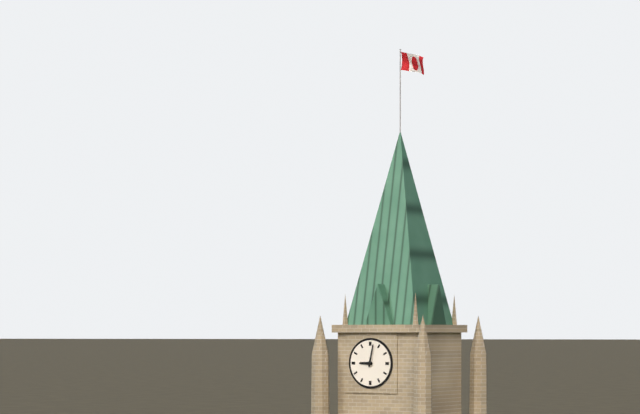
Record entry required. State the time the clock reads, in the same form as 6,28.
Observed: 9,02
